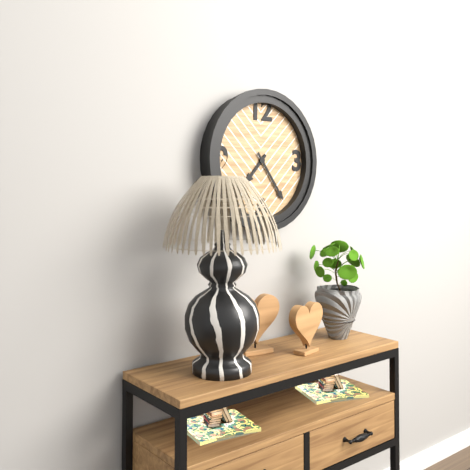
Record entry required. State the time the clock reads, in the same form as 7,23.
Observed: 7,24
